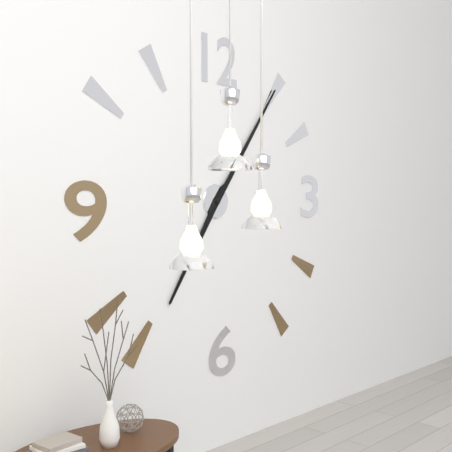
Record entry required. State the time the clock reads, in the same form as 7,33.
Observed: 7,06
